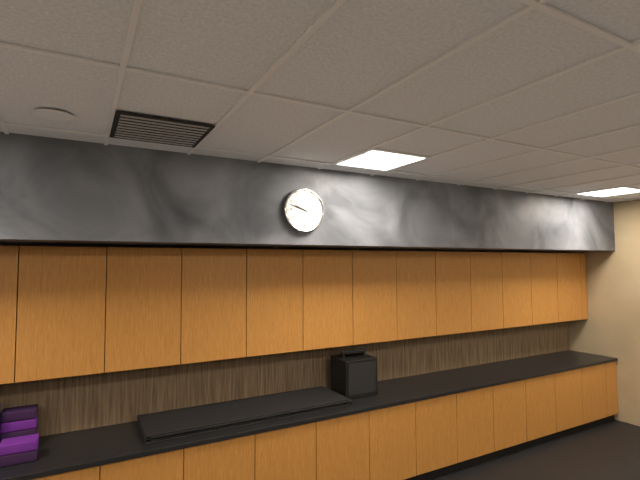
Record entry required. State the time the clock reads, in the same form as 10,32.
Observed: 9,48
